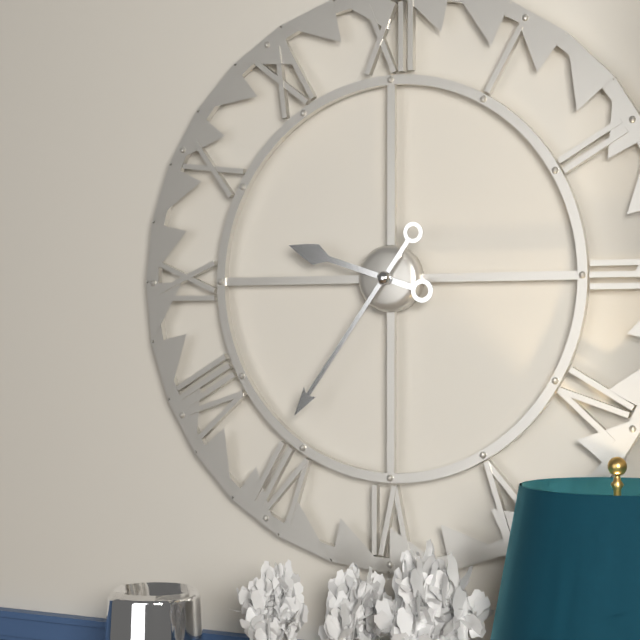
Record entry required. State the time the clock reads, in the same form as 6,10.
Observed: 9,36
